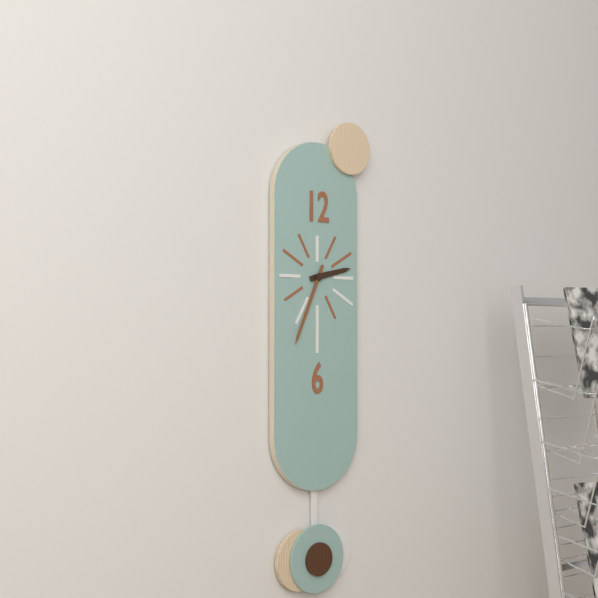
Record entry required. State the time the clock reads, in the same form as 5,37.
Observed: 2,34
